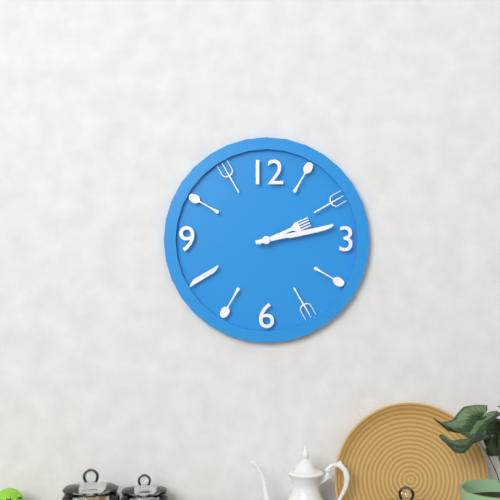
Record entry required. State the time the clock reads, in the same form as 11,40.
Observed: 2,13
